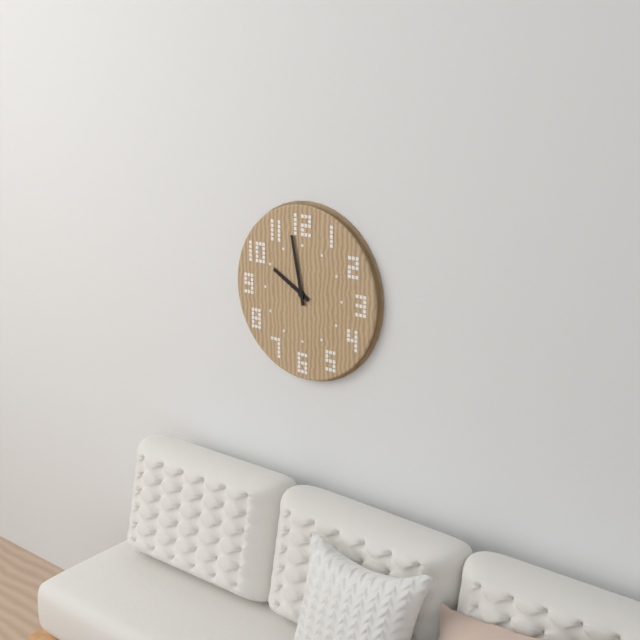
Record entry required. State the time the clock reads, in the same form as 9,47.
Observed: 9,58
